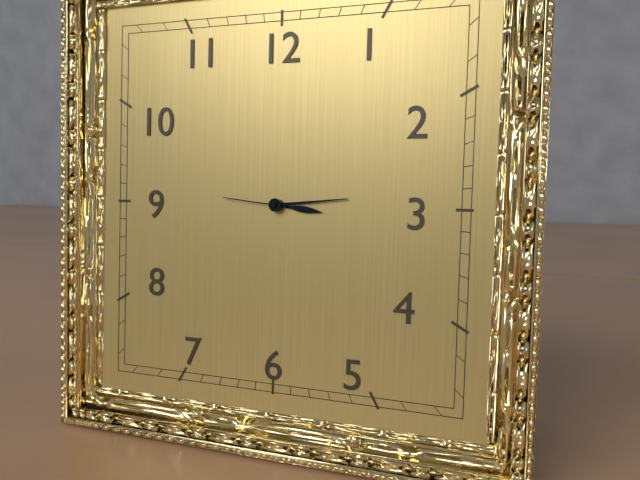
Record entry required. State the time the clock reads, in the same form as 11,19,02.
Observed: 3,14,46
